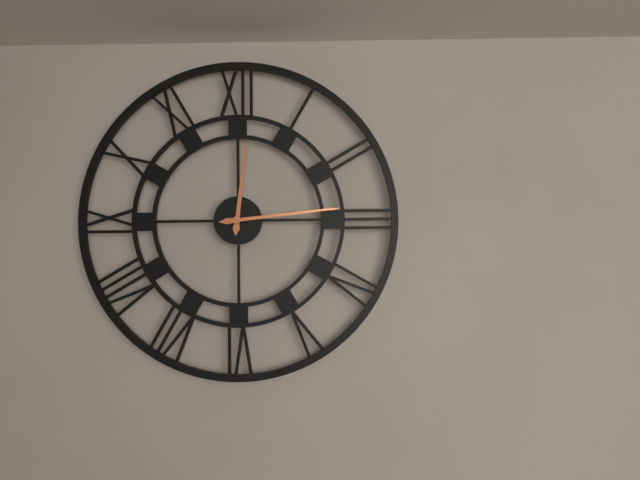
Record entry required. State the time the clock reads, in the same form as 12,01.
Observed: 12,14
